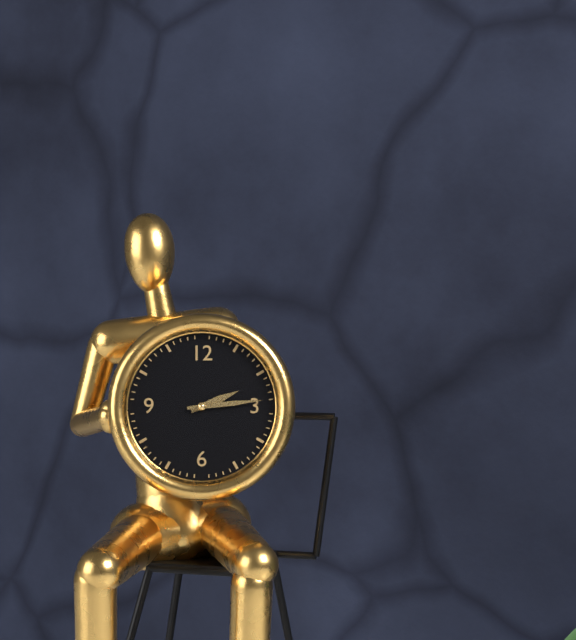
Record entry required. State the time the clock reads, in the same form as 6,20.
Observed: 2,14
